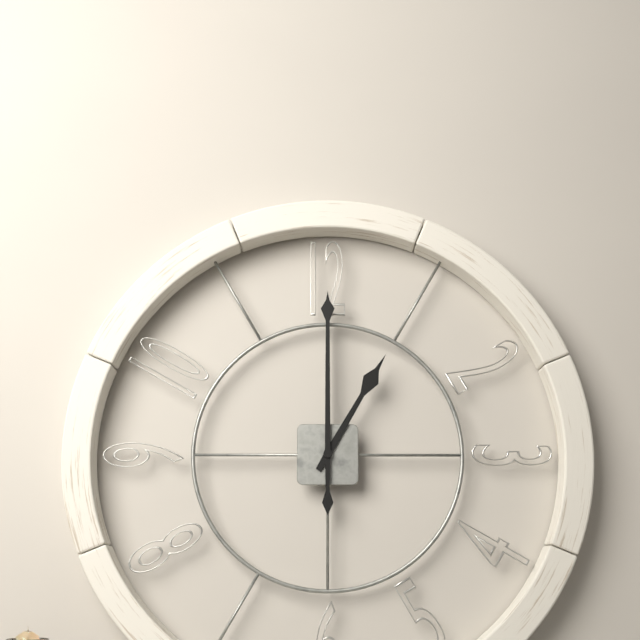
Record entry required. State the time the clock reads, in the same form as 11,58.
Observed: 1,00
